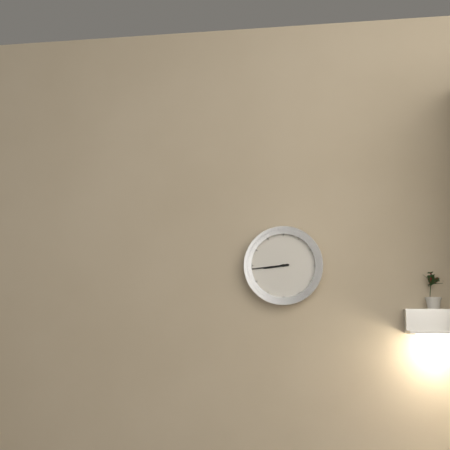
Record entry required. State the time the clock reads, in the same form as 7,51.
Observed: 8,44
